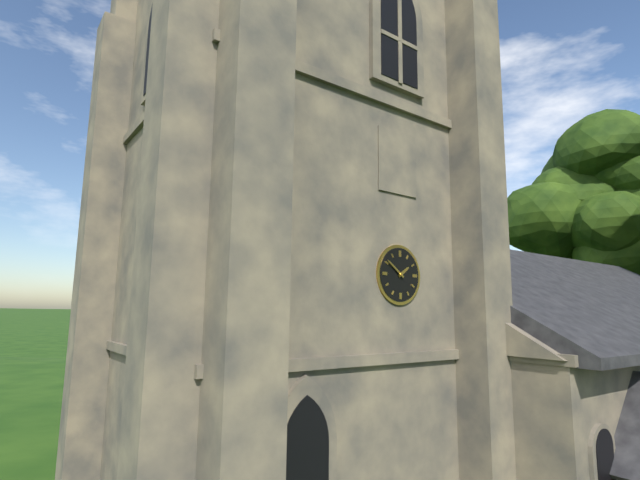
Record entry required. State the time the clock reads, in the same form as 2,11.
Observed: 1,51
